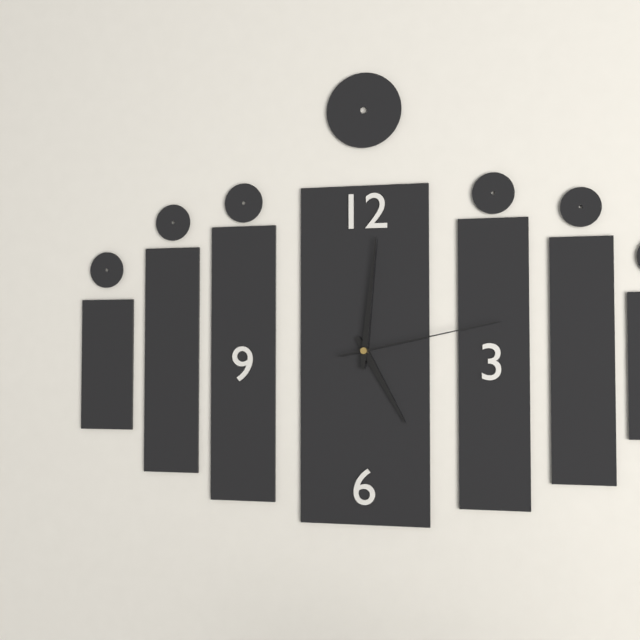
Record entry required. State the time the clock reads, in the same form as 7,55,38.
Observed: 5,01,13
